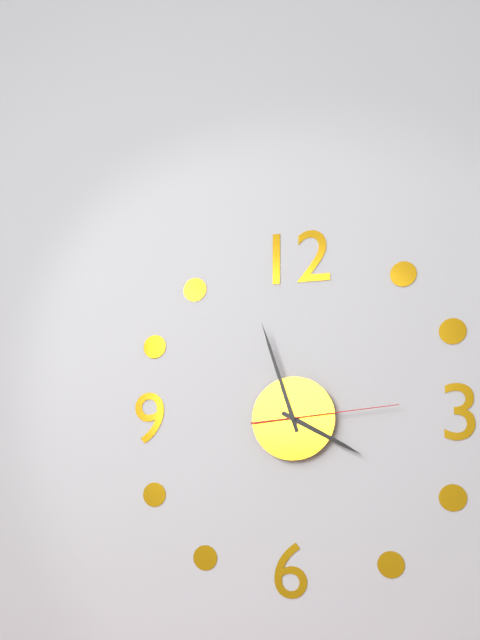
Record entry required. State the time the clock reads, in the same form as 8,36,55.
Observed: 3,57,14
